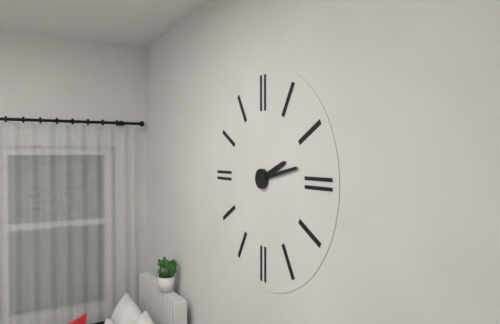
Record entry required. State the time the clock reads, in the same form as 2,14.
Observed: 2,13
